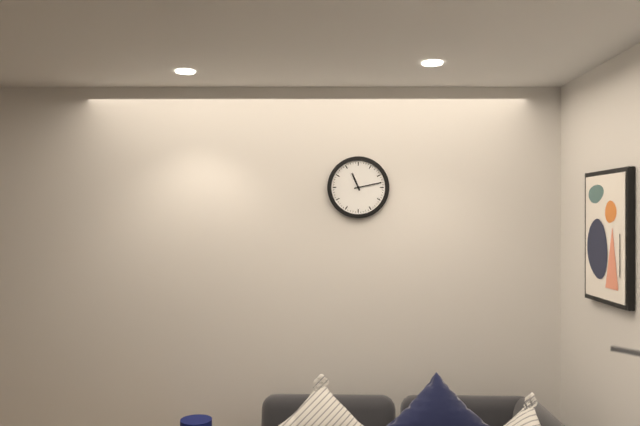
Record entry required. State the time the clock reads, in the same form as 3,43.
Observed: 11,13
